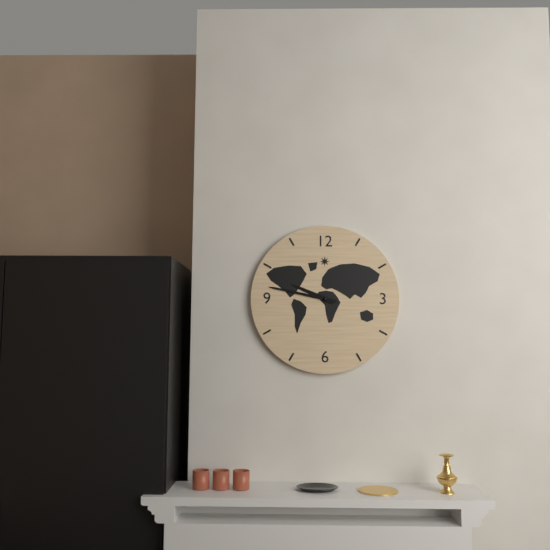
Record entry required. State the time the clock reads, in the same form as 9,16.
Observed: 9,47
